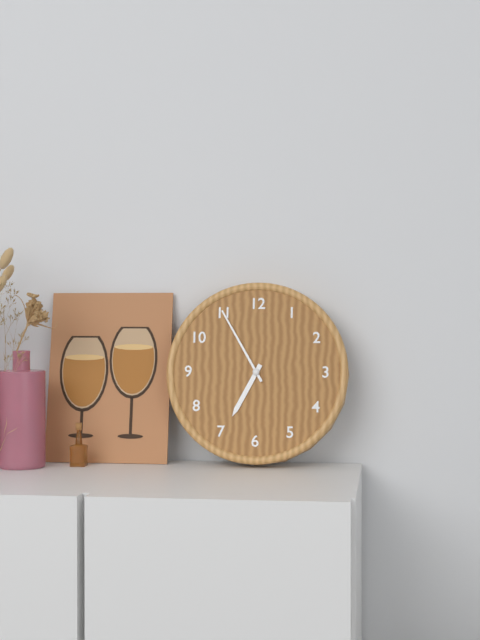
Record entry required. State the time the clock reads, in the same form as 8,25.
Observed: 6,55
